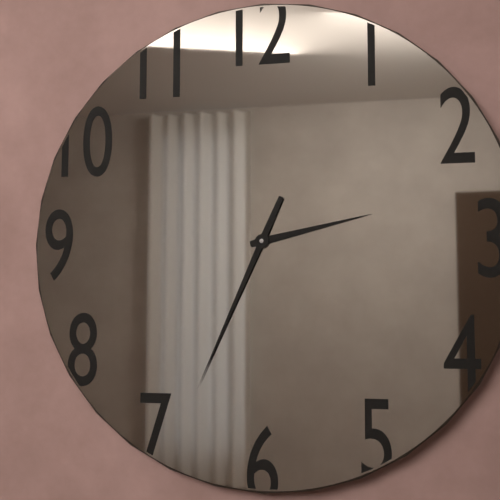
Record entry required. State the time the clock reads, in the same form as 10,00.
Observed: 2,34
